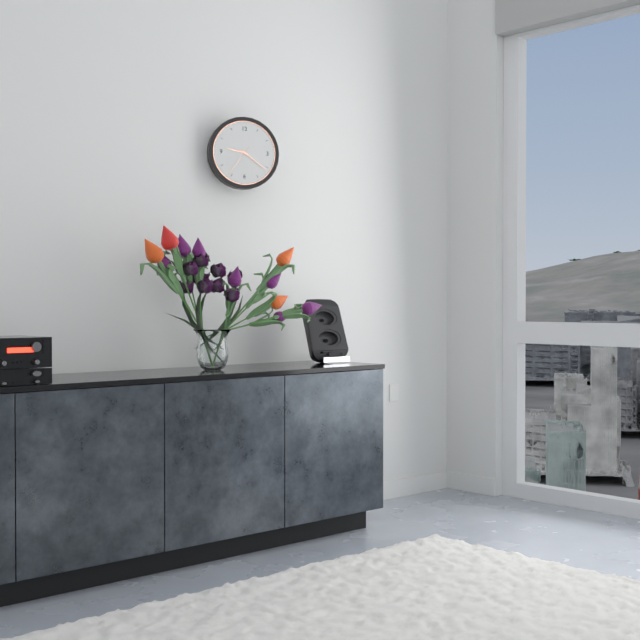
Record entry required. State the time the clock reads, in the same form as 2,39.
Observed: 9,21
